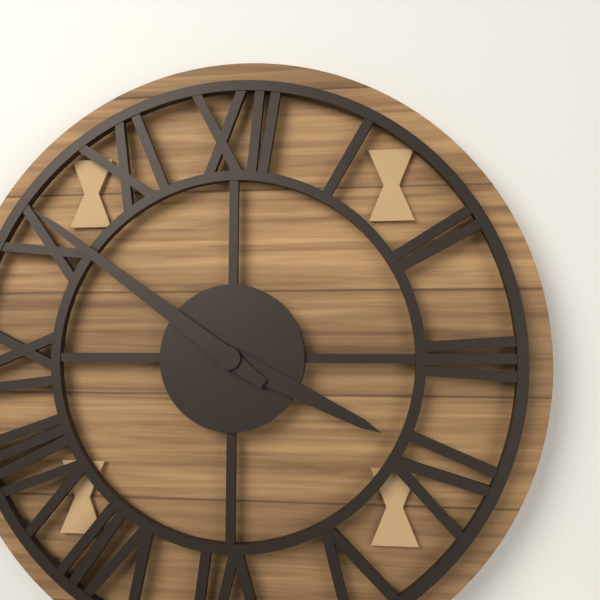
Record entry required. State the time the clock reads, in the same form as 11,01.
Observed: 3,51
